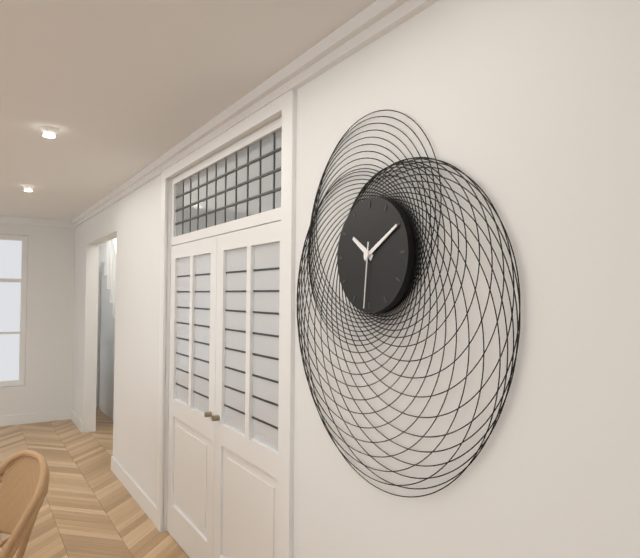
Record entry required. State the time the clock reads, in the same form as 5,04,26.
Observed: 10,10,31
